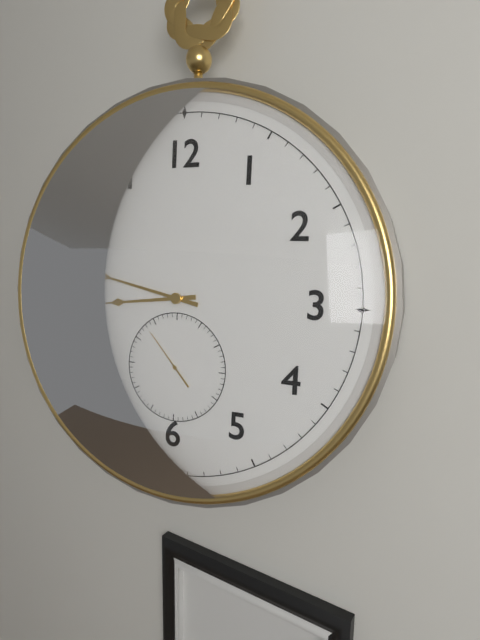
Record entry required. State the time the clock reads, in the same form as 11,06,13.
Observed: 8,47,53
